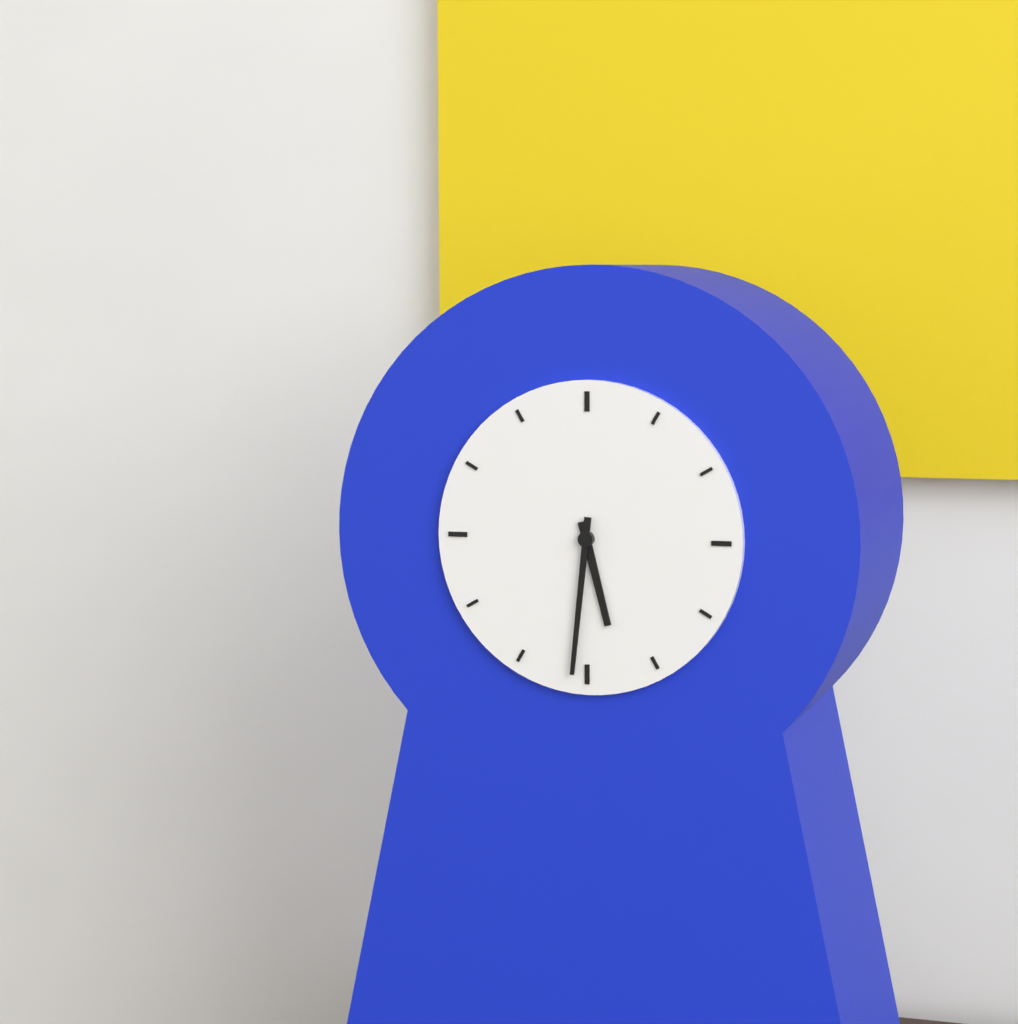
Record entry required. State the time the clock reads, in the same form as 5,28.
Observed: 5,31
